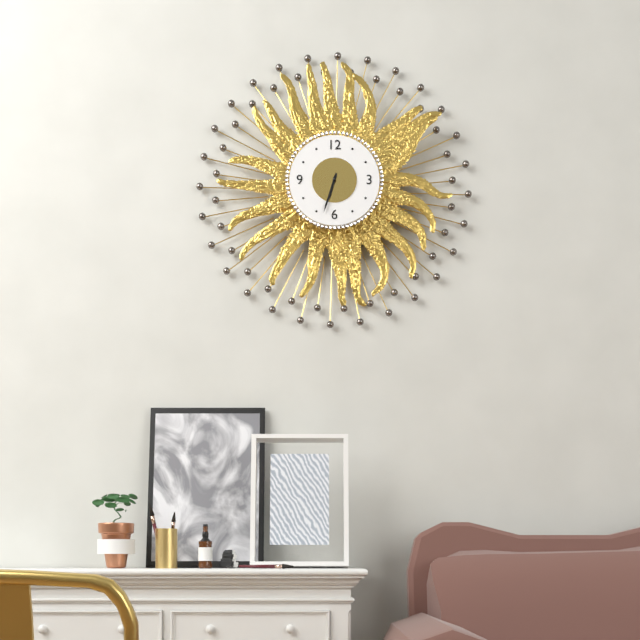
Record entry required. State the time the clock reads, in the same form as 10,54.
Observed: 6,33
